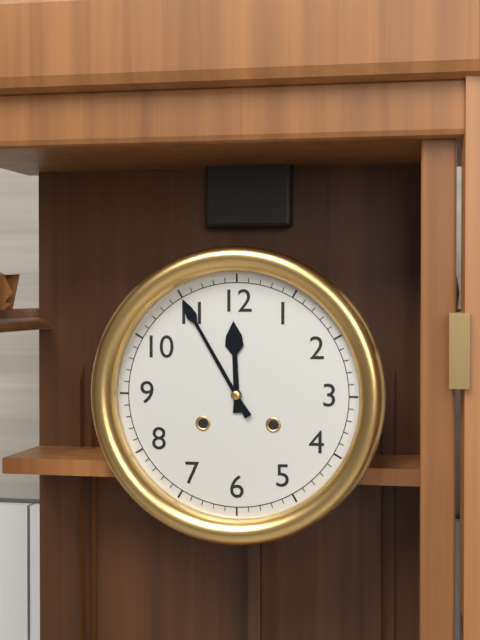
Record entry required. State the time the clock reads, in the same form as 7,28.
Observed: 11,55
